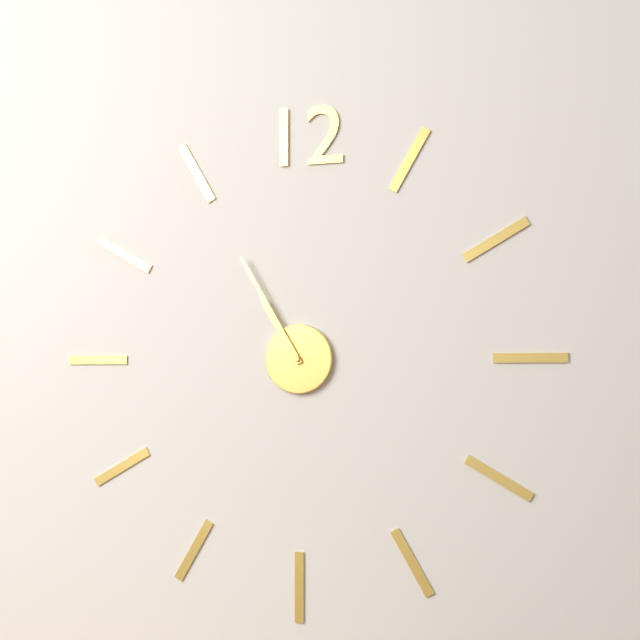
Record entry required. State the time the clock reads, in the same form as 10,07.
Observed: 10,55
